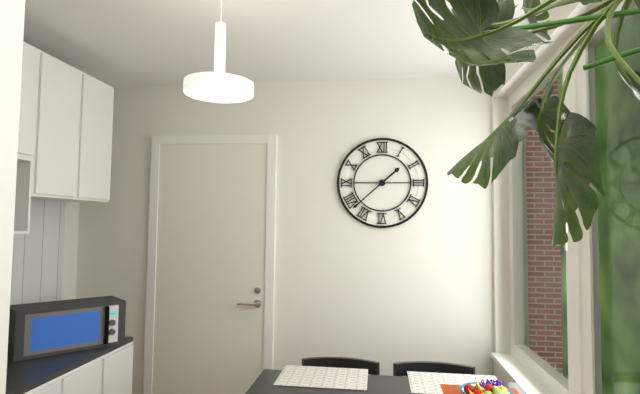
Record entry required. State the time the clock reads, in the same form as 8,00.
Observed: 1,38
